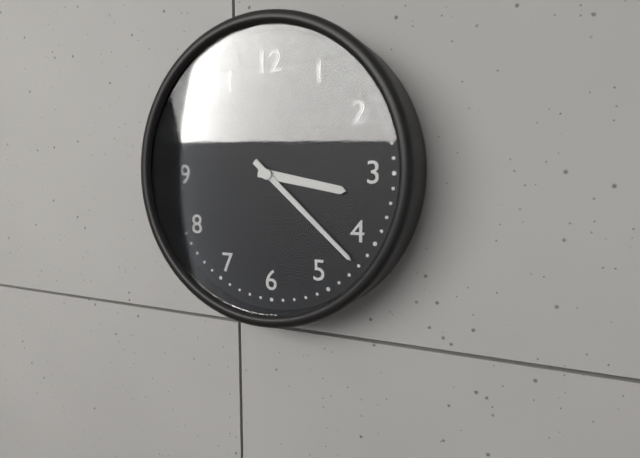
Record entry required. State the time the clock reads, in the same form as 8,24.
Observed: 3,22
